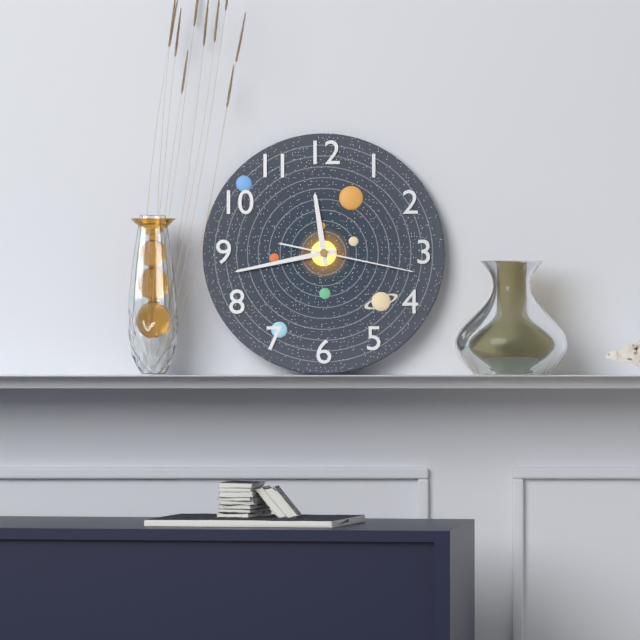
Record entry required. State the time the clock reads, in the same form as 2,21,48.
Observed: 11,43,17
